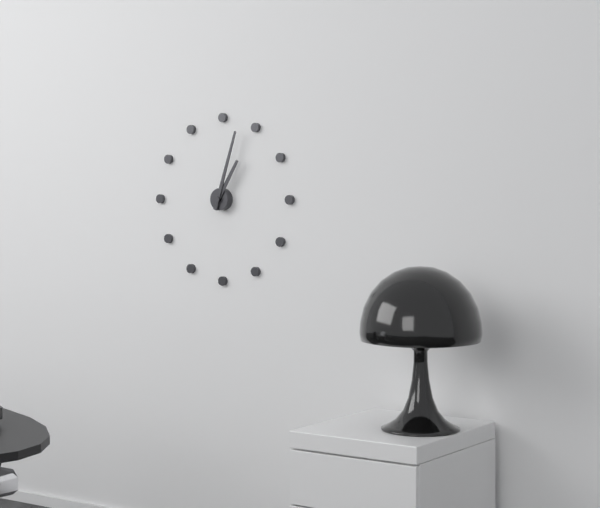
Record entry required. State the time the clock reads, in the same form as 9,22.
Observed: 1,03
